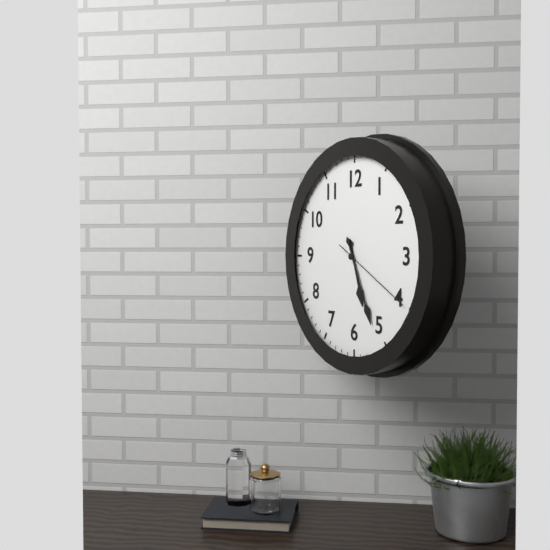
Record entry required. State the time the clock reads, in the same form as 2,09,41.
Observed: 5,26,20
